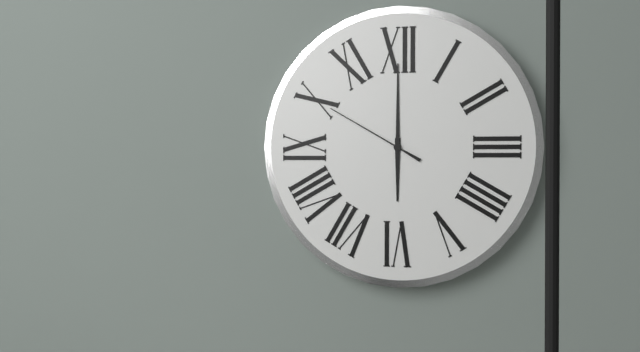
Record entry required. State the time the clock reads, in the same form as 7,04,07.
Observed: 6,00,50
